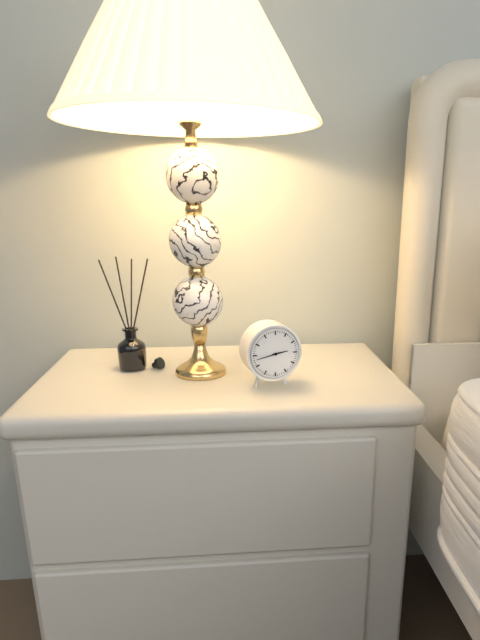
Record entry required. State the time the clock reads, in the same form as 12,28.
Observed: 2,43
